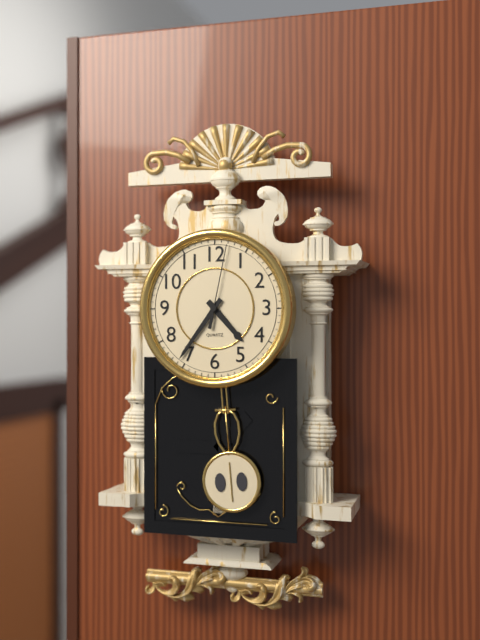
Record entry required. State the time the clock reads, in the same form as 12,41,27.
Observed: 4,36,02
